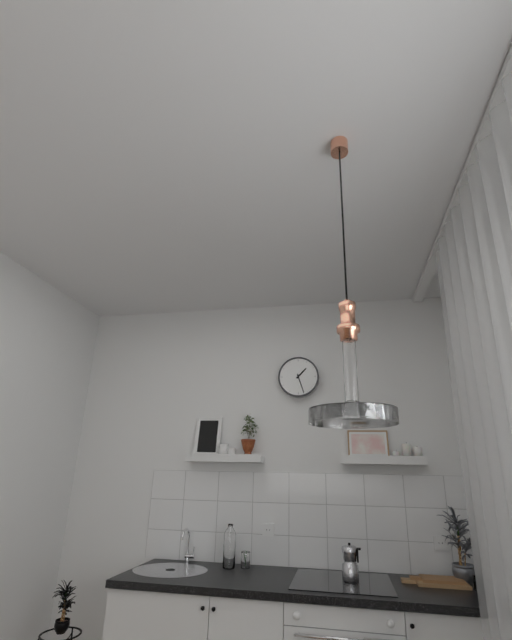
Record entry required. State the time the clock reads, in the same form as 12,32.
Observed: 1,27
